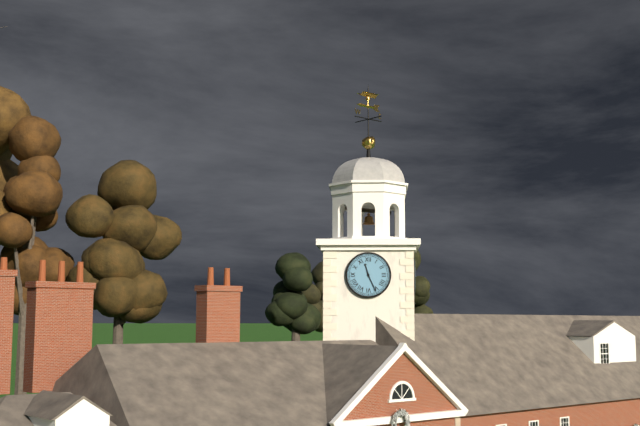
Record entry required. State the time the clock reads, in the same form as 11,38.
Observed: 11,26
